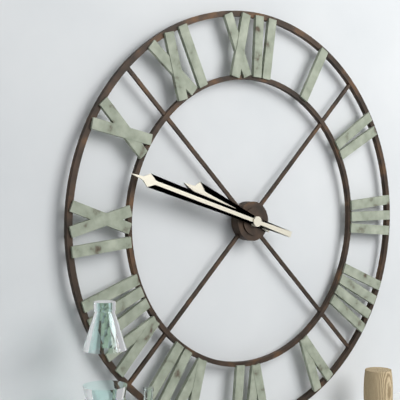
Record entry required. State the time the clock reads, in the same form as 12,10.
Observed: 9,48
